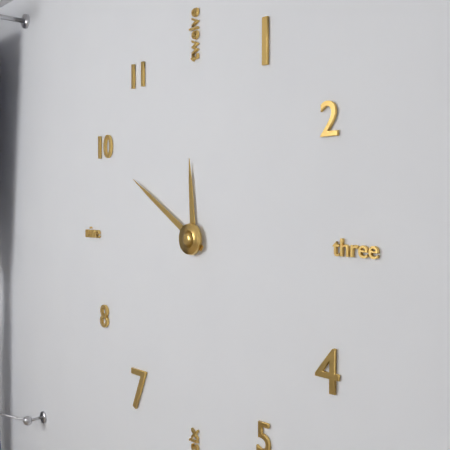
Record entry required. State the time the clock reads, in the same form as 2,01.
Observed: 11,50
